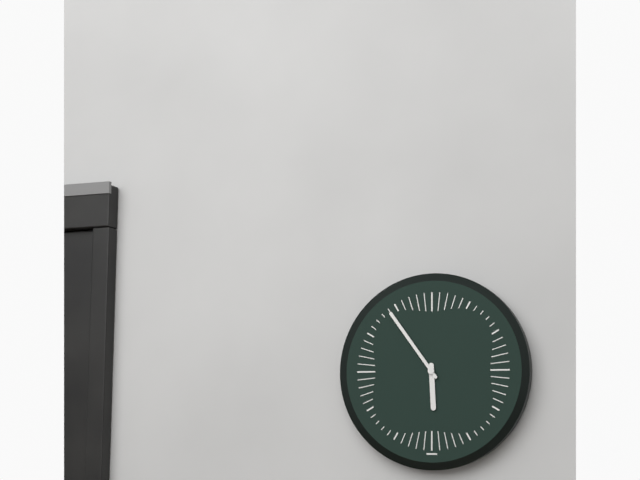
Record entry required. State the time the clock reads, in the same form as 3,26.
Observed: 5,54
